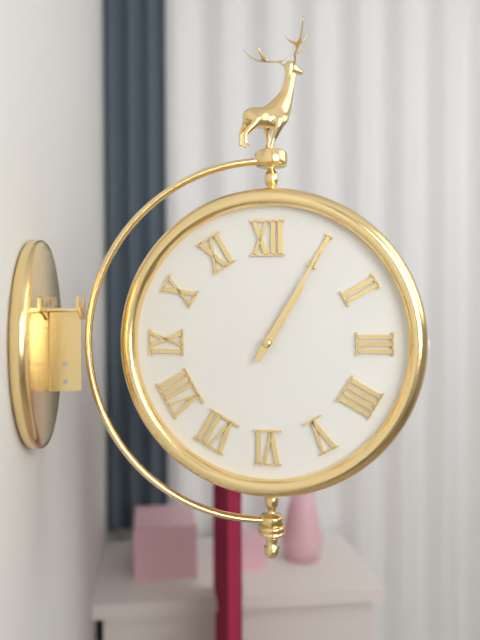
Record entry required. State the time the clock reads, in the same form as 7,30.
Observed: 1,05
